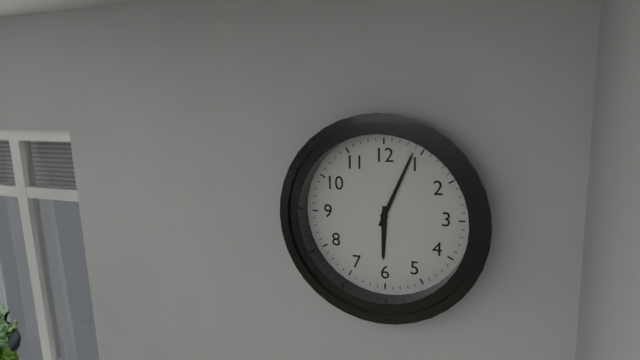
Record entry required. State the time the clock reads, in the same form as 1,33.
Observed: 6,04
